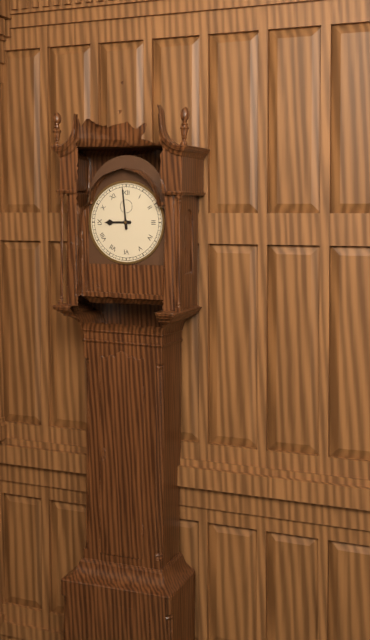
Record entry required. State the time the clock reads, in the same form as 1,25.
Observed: 8,59
